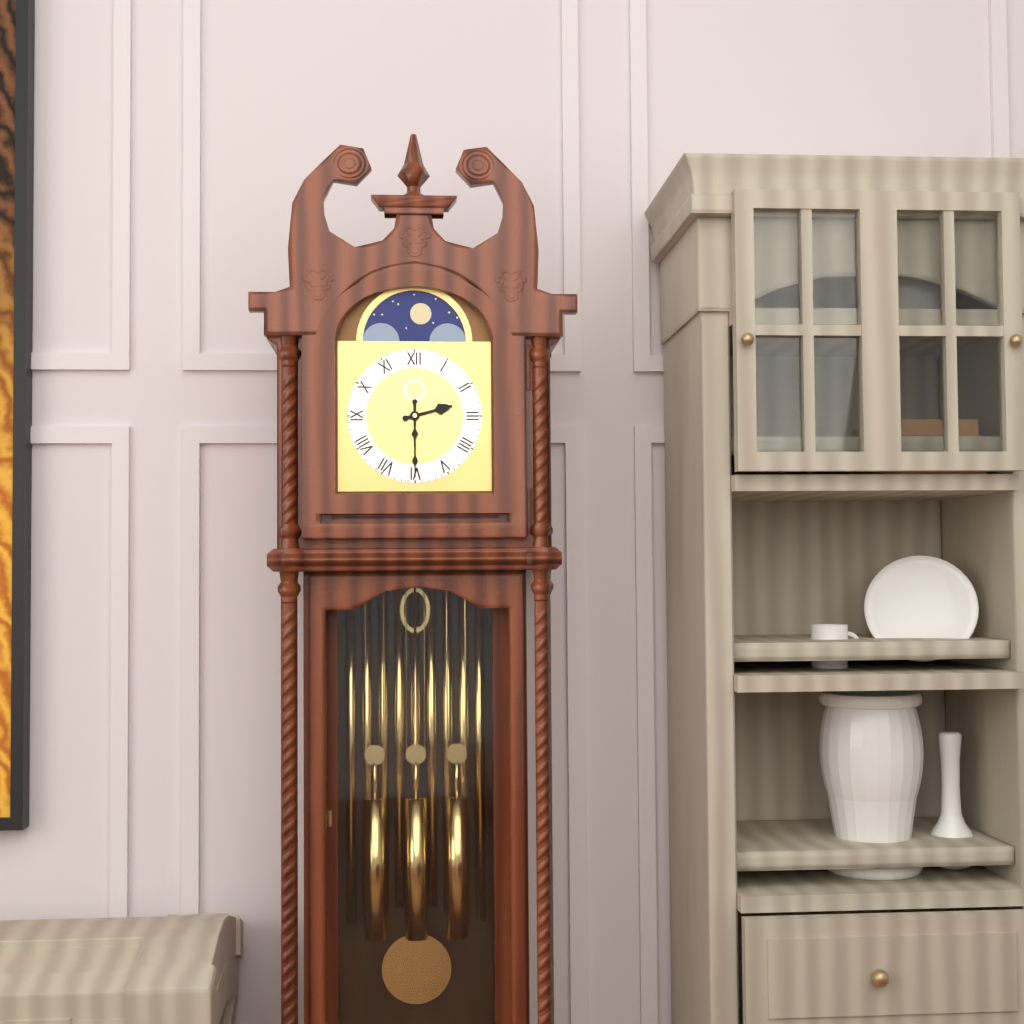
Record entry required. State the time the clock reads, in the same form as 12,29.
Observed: 2,30
